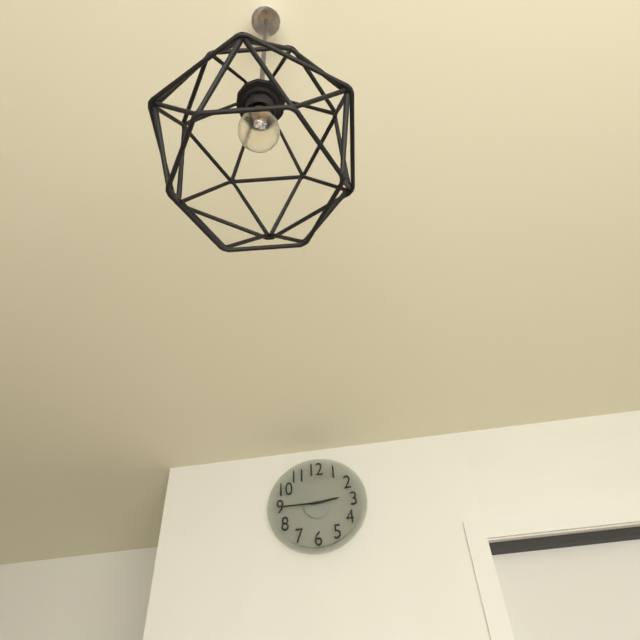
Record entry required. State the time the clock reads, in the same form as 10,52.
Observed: 2,45
